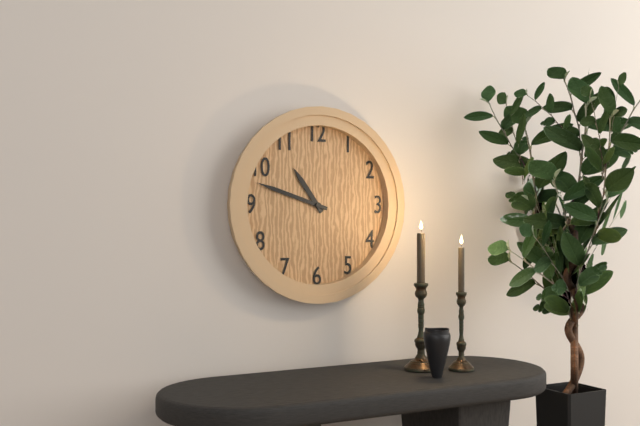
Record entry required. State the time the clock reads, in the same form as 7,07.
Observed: 10,48
